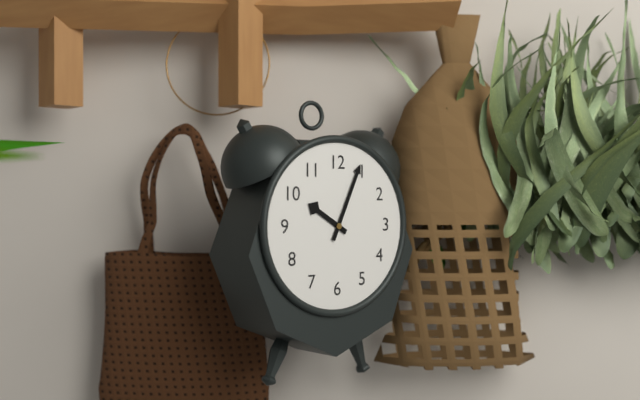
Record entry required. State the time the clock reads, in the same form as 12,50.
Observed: 10,04
